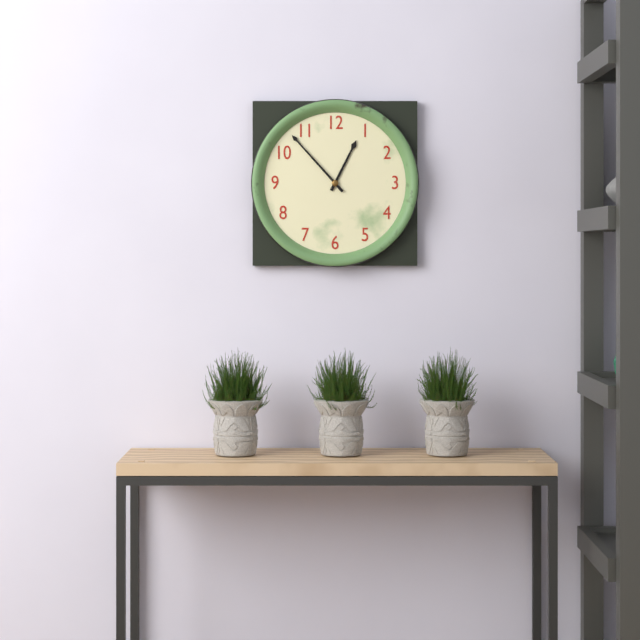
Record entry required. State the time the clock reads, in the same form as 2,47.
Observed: 12,53
